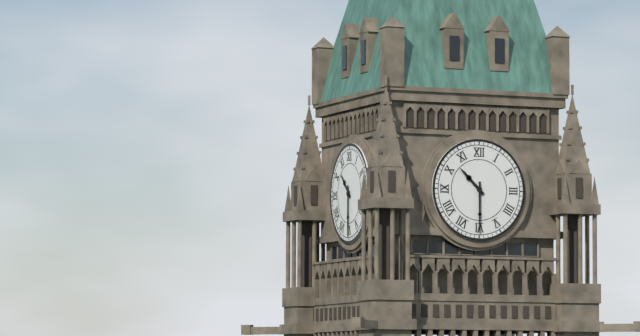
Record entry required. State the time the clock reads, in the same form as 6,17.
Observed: 10,30
